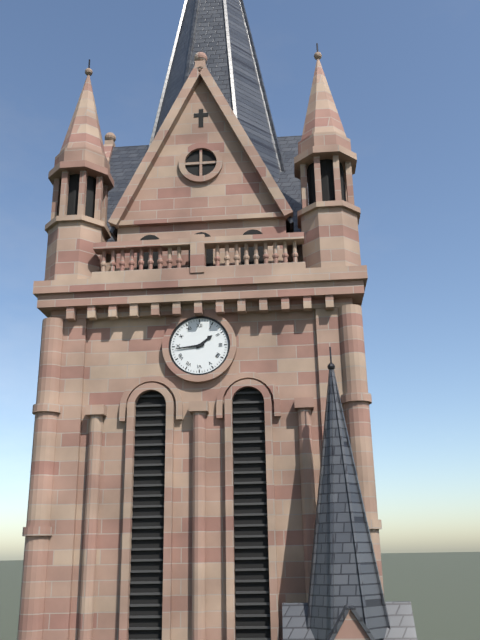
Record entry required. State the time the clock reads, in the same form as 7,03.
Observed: 1,44
